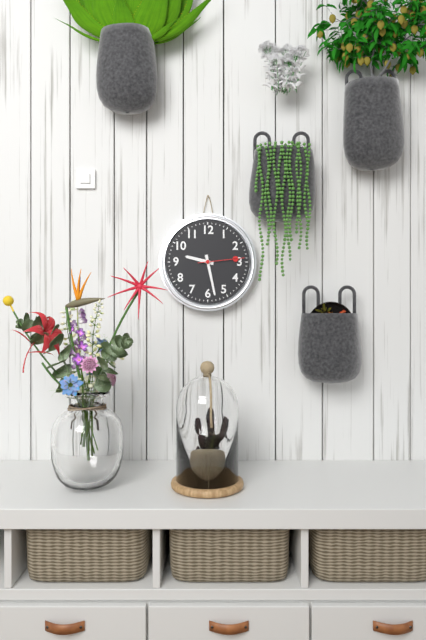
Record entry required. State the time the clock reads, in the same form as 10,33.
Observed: 9,28
